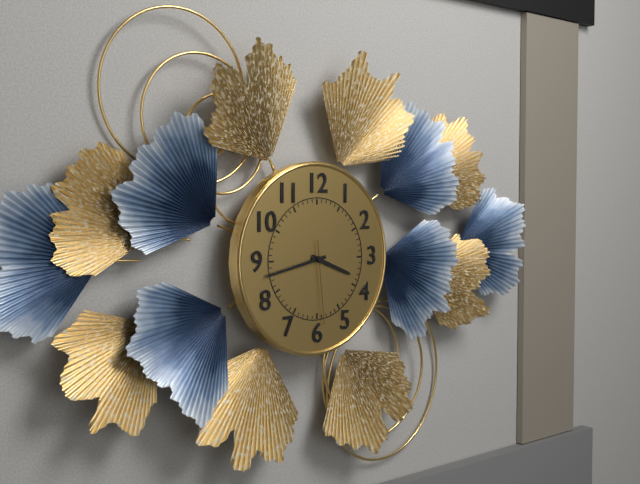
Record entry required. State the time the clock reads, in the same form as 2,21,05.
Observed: 3,43,29
